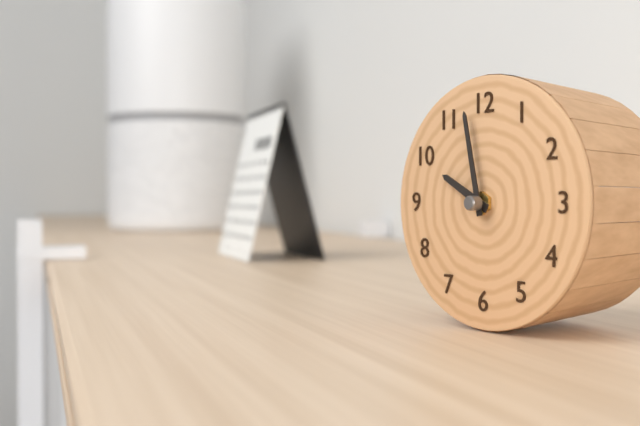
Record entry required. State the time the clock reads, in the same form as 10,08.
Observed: 9,58
